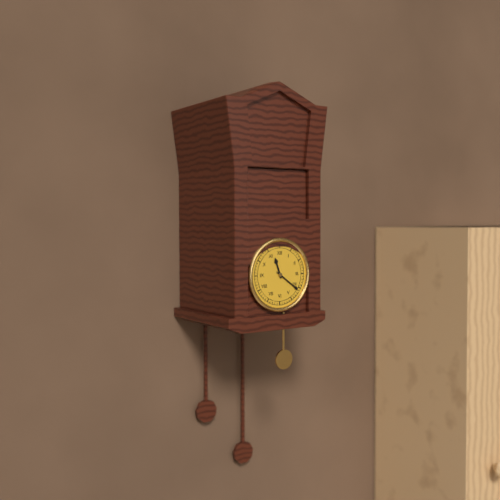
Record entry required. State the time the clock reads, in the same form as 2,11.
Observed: 11,21
